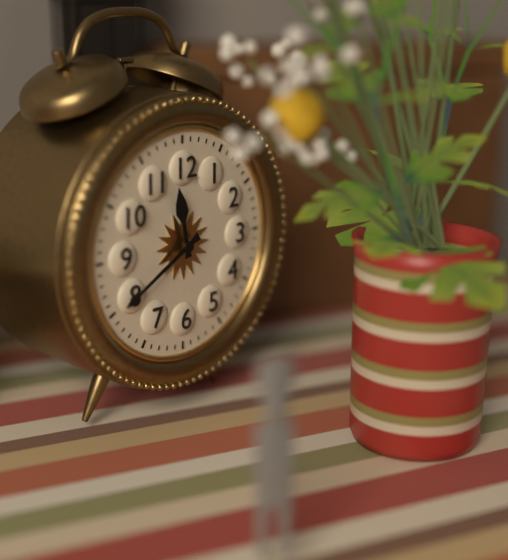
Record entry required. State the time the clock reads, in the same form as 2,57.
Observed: 11,40
